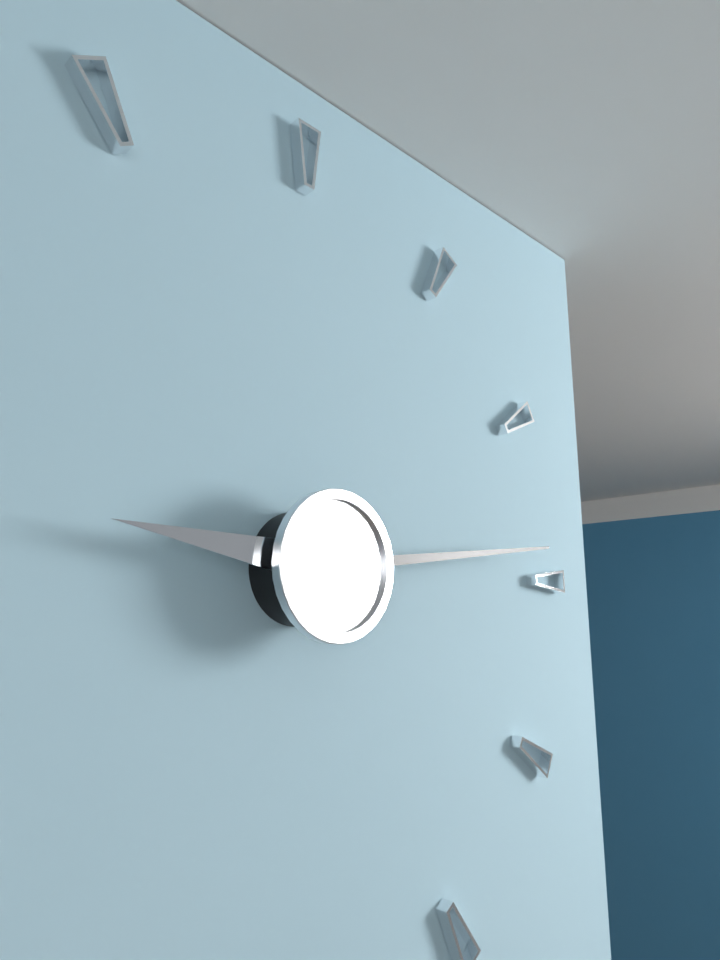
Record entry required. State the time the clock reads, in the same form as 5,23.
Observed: 9,14
